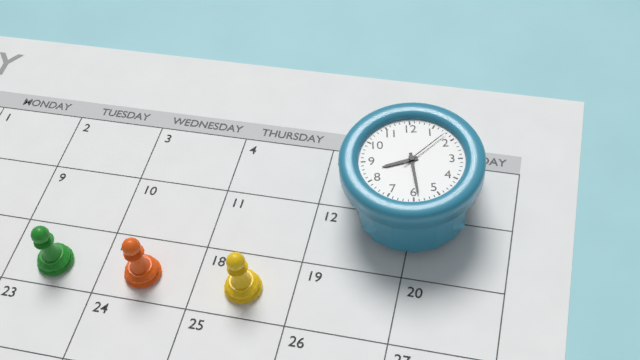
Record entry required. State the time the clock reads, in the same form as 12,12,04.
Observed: 8,29,08
